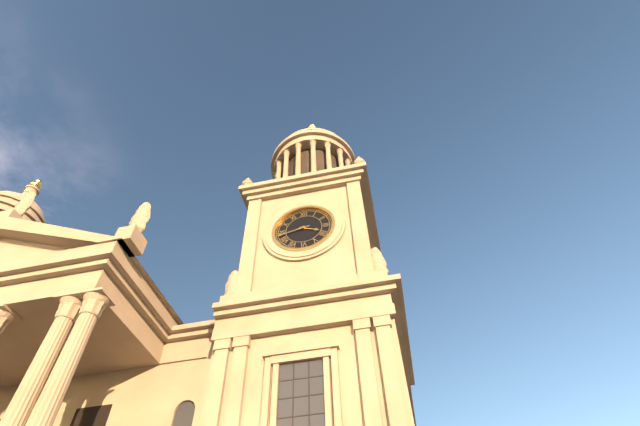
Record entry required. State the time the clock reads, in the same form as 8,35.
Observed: 3,43
